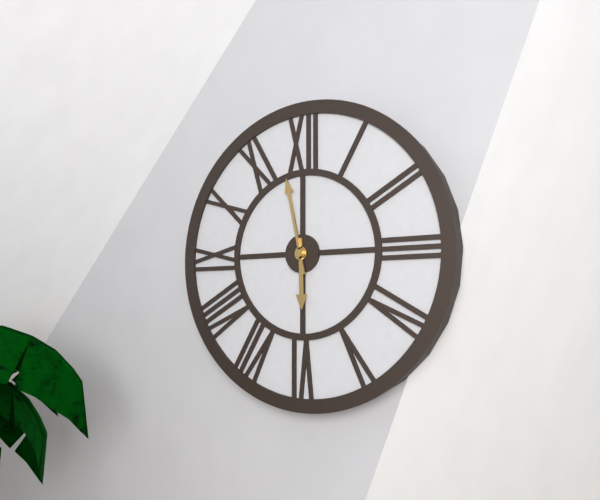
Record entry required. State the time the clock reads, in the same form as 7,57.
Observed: 5,58
